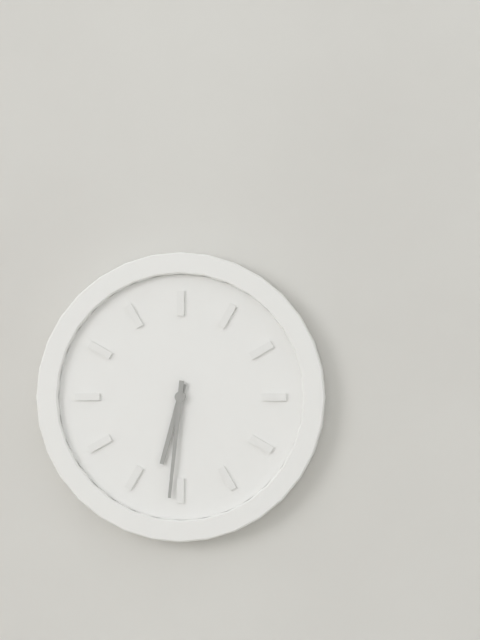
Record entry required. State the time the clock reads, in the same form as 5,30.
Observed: 6,31
